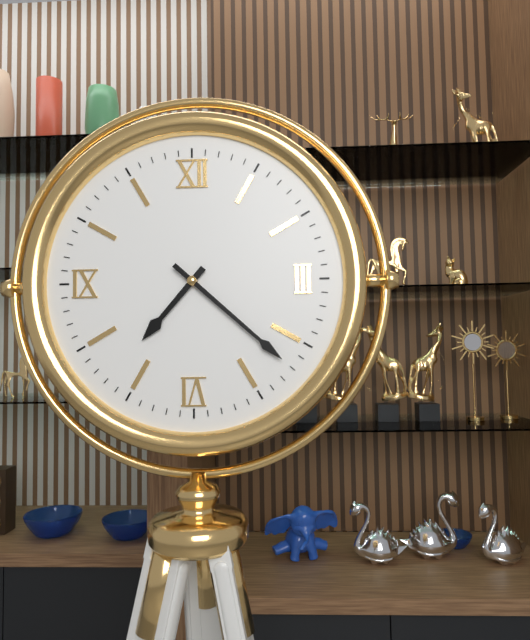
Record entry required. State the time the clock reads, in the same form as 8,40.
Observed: 7,22
